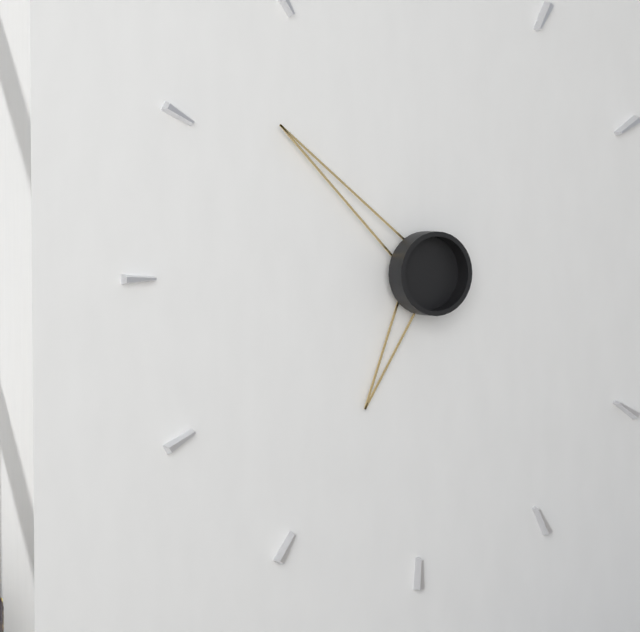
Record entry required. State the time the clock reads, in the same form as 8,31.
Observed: 6,52
